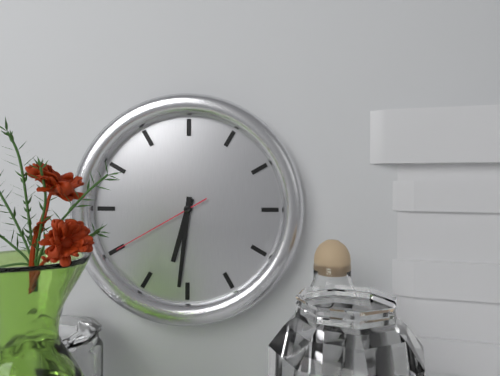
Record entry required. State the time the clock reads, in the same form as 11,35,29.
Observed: 6,31,40
